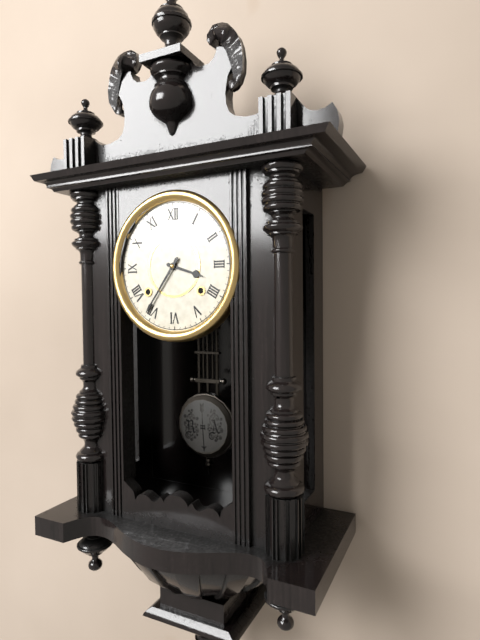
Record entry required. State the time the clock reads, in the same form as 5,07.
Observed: 3,36
